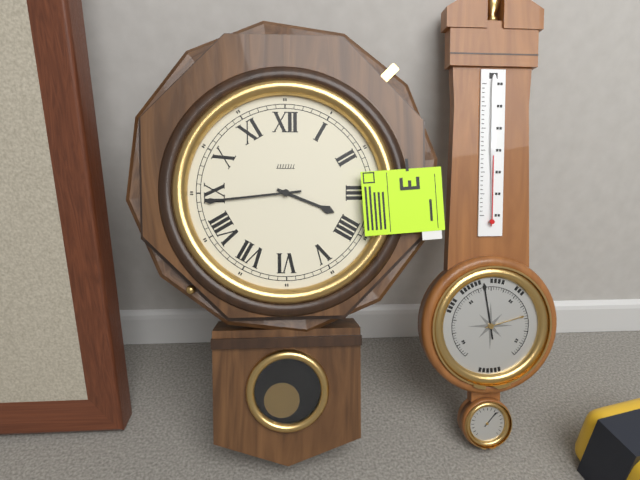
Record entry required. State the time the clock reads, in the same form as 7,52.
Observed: 3,44
